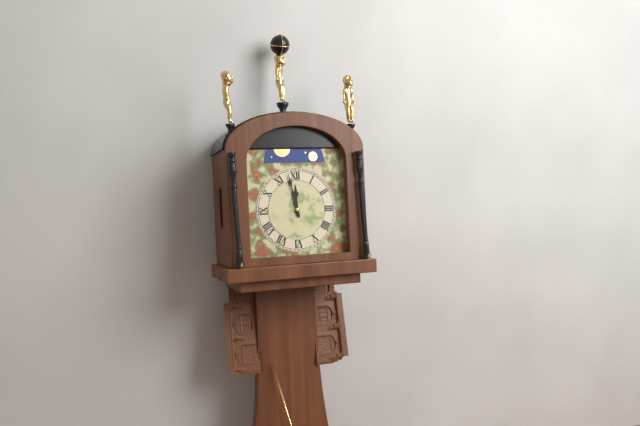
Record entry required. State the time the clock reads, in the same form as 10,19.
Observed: 11,58
